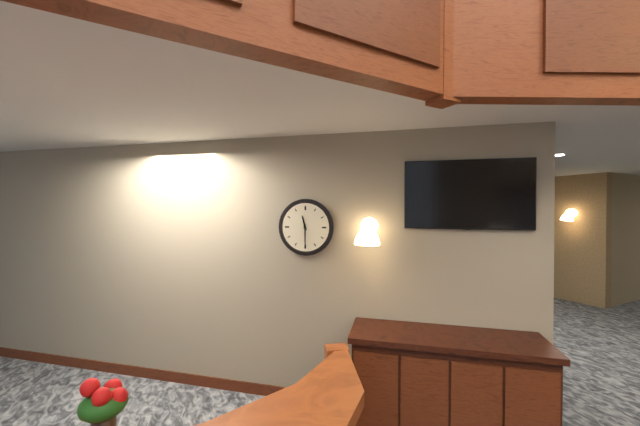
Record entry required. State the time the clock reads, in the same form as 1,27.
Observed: 11,30
